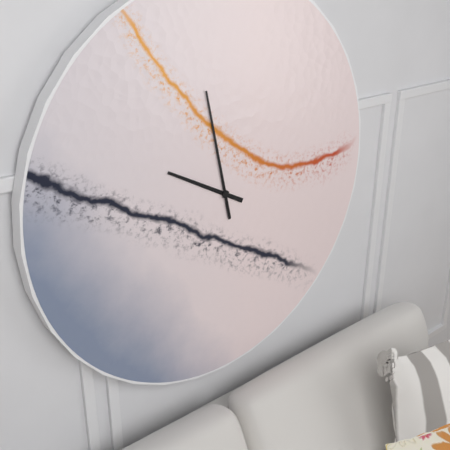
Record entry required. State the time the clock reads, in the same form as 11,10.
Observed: 9,58
